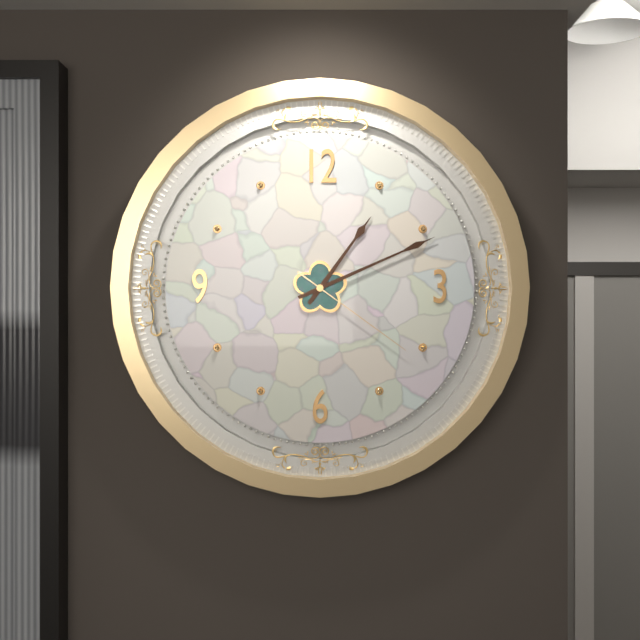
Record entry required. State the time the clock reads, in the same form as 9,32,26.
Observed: 1,11,21
